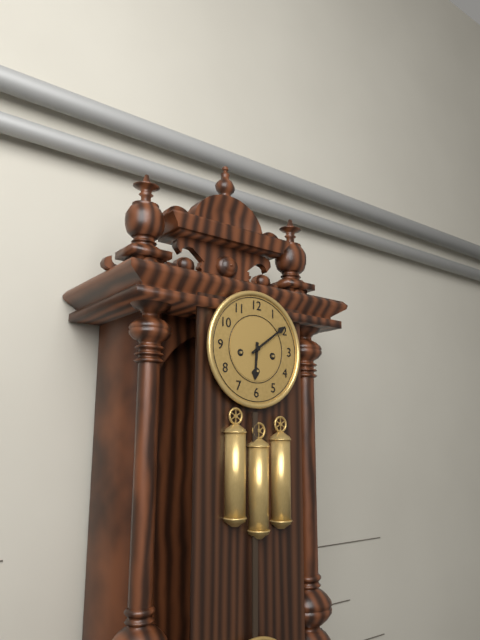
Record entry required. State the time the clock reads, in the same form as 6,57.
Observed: 6,09
